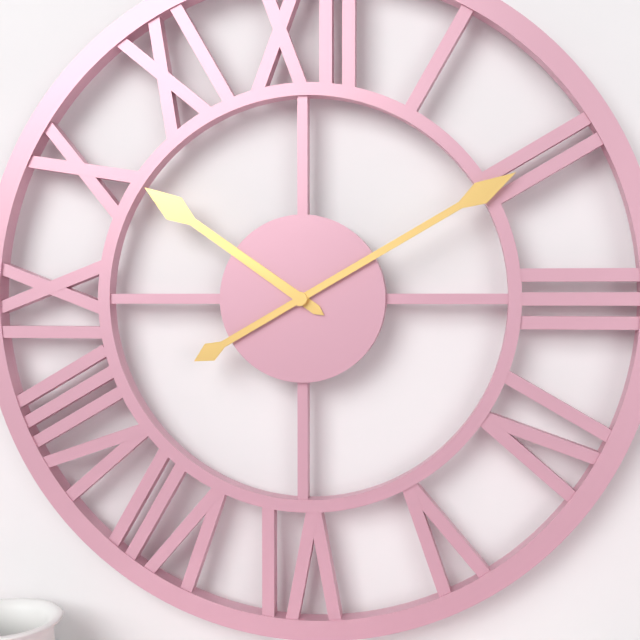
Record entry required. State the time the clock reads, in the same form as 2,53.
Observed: 10,10
